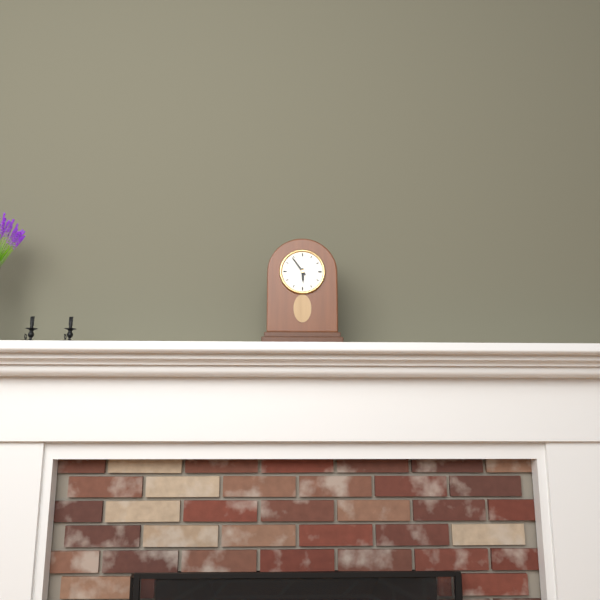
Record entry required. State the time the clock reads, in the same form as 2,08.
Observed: 5,54
